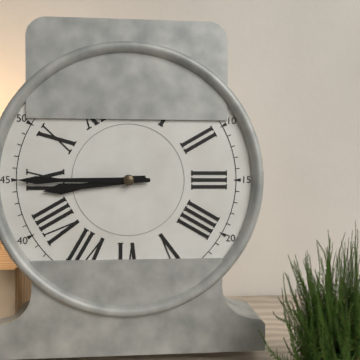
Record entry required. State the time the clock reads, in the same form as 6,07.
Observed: 8,45
